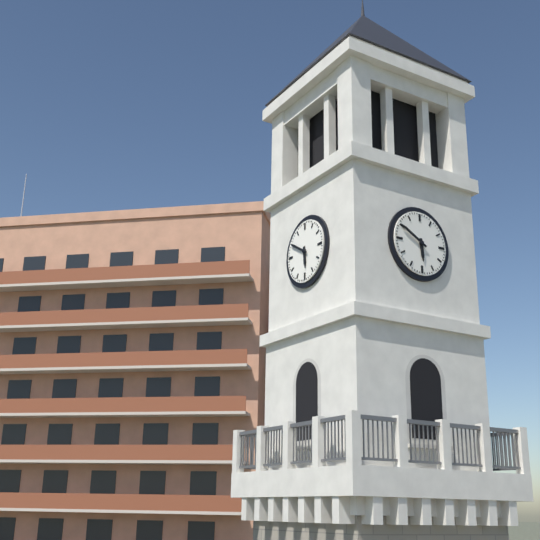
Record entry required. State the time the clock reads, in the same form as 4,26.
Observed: 5,50
